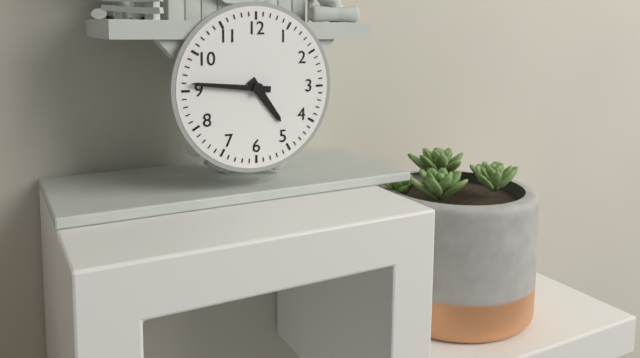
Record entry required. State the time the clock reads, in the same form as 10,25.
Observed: 4,46
